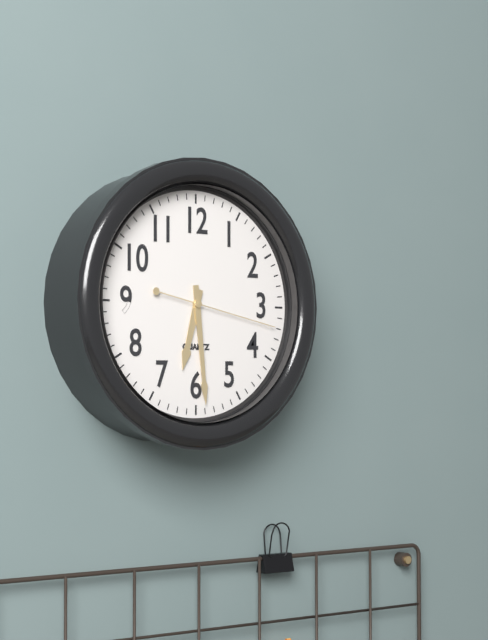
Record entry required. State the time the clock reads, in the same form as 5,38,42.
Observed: 6,29,17
